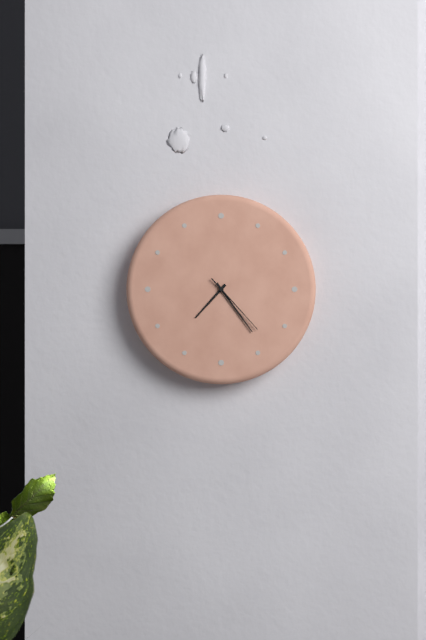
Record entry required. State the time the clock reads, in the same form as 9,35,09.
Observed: 7,24,23
